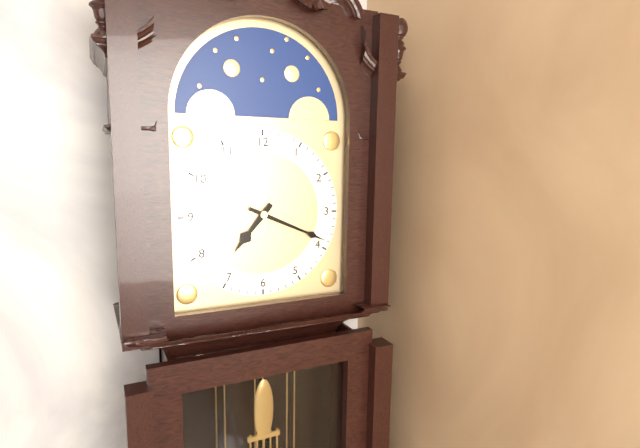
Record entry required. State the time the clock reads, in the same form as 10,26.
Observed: 7,19
